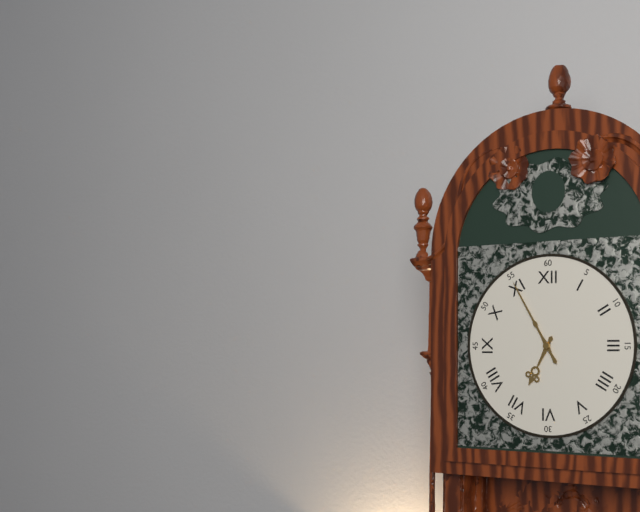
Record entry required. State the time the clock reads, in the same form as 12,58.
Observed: 6,55
